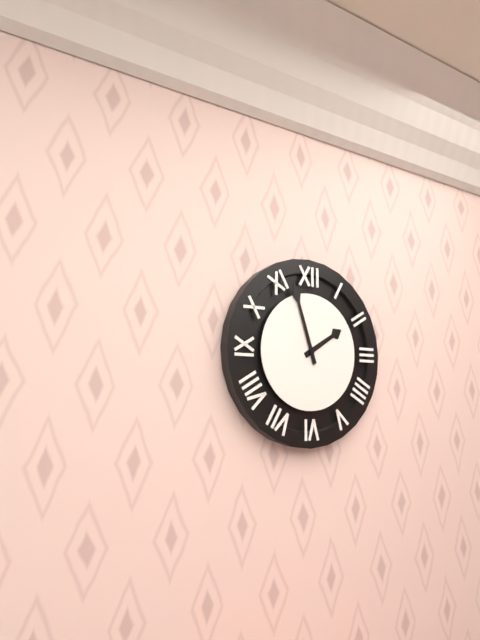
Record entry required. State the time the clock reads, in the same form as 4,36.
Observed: 1,57
